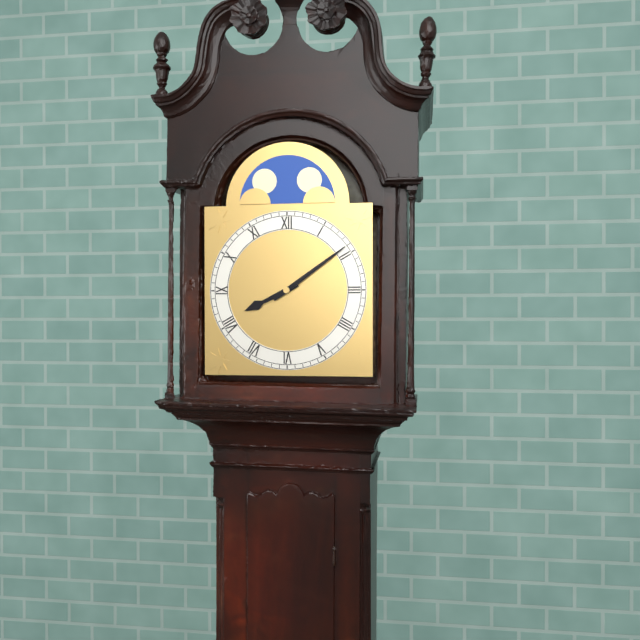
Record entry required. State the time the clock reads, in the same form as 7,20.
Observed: 8,09
